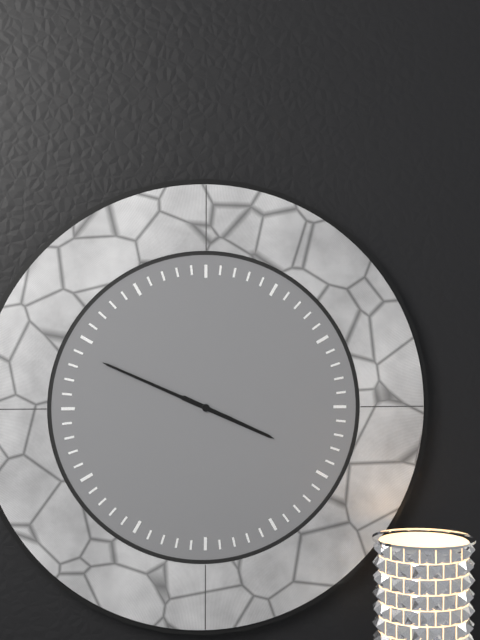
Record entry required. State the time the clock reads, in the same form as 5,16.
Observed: 3,49
